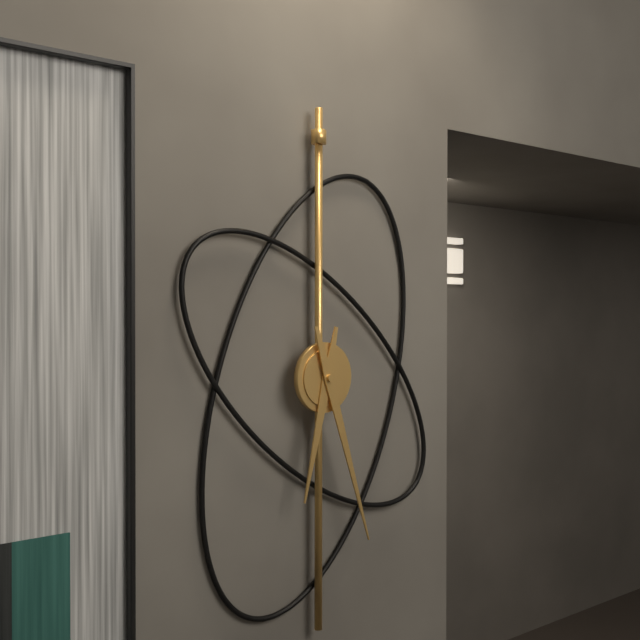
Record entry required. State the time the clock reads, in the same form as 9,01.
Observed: 6,27
